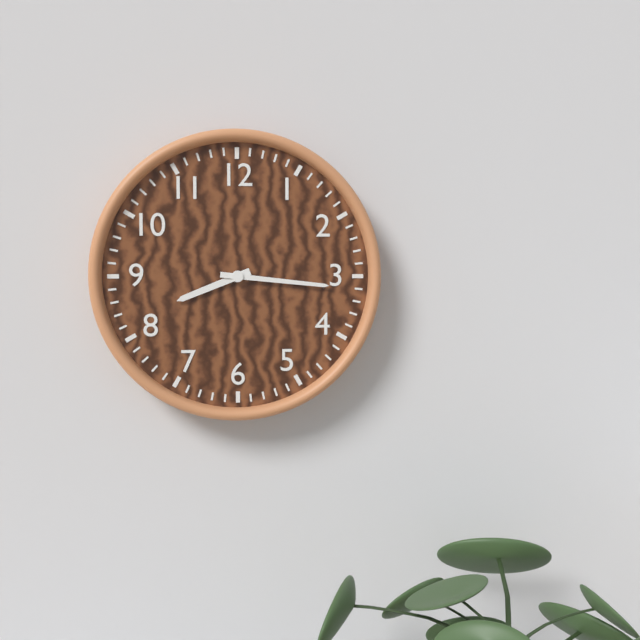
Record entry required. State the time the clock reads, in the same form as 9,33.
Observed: 8,16
